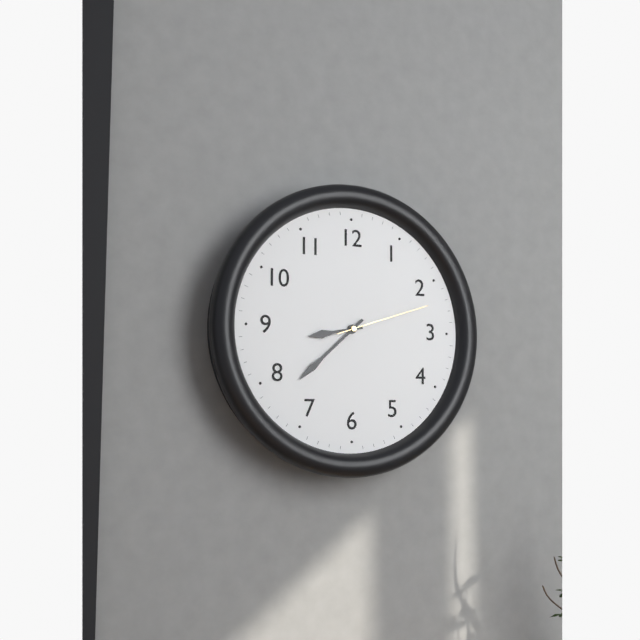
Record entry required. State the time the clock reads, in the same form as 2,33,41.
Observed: 8,38,12
